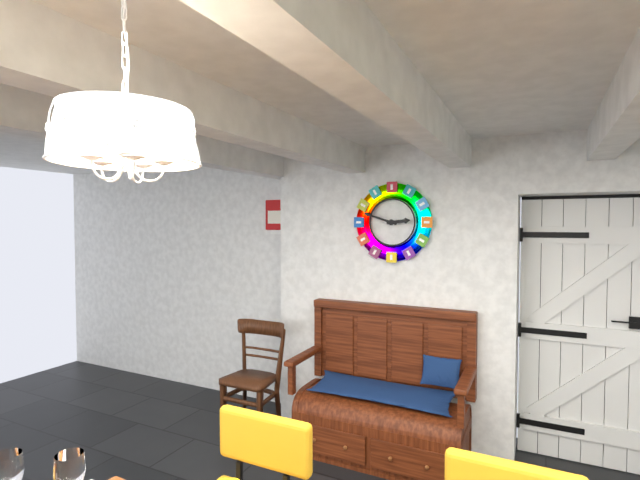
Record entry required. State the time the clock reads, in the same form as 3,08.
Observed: 2,48
